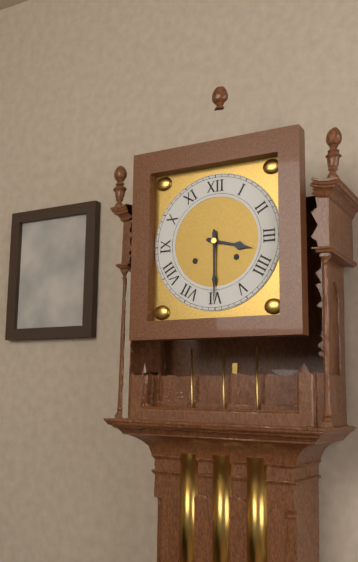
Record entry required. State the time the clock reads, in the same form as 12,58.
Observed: 3,30
